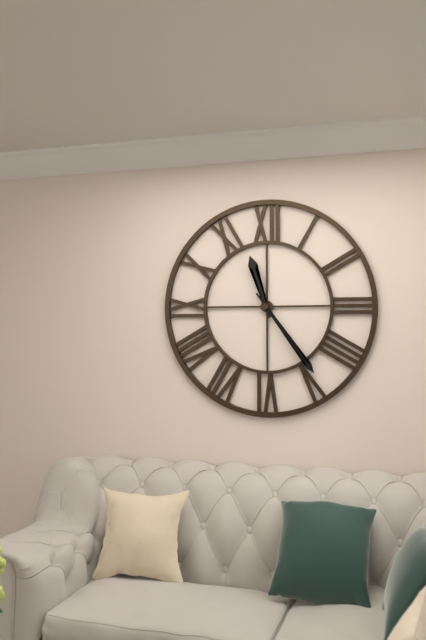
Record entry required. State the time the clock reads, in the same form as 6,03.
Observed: 11,24
